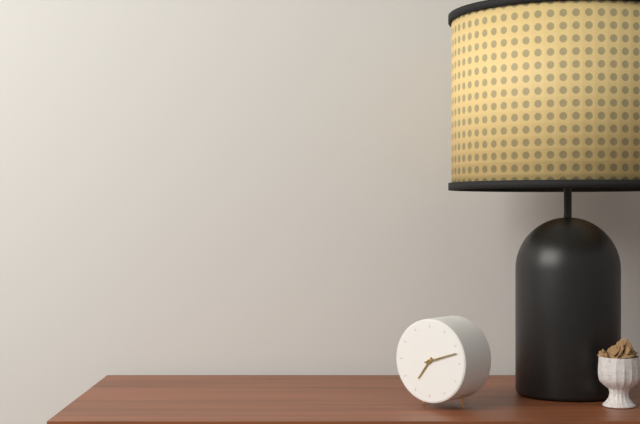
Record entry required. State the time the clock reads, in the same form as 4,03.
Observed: 7,12
